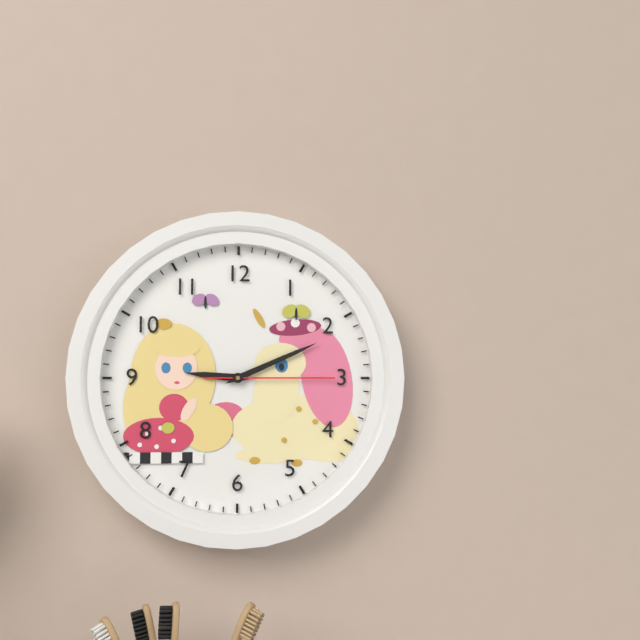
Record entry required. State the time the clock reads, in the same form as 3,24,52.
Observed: 9,11,15
